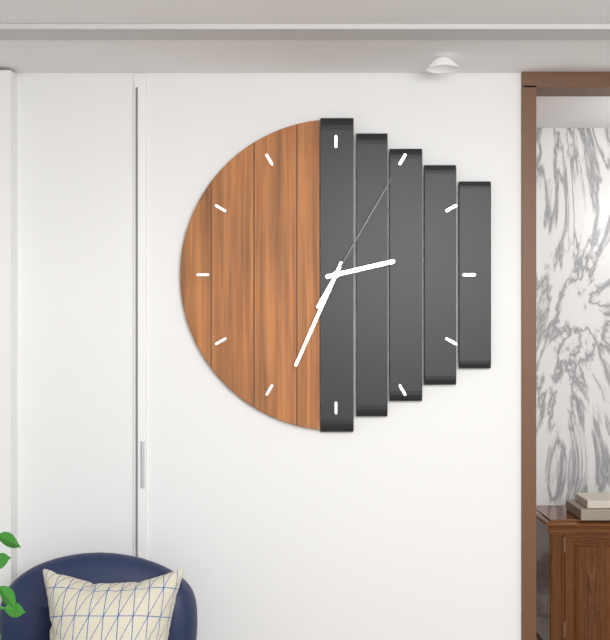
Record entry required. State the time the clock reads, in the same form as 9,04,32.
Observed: 2,34,05
